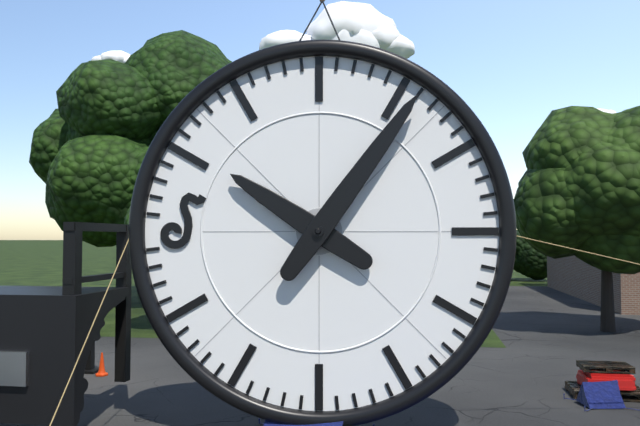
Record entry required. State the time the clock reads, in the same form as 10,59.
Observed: 10,06
